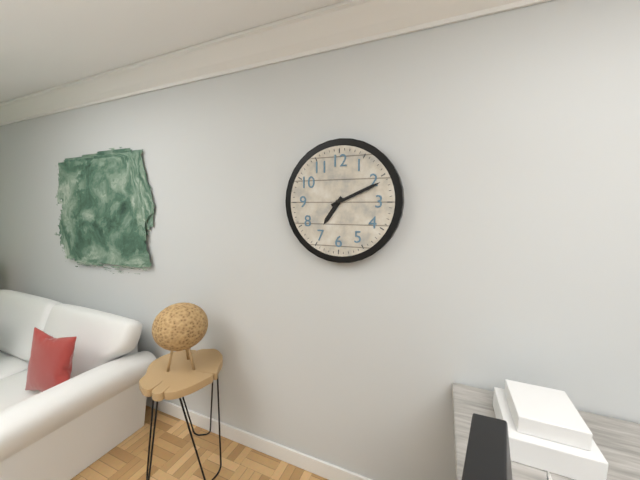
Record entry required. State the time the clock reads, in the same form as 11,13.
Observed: 7,11
